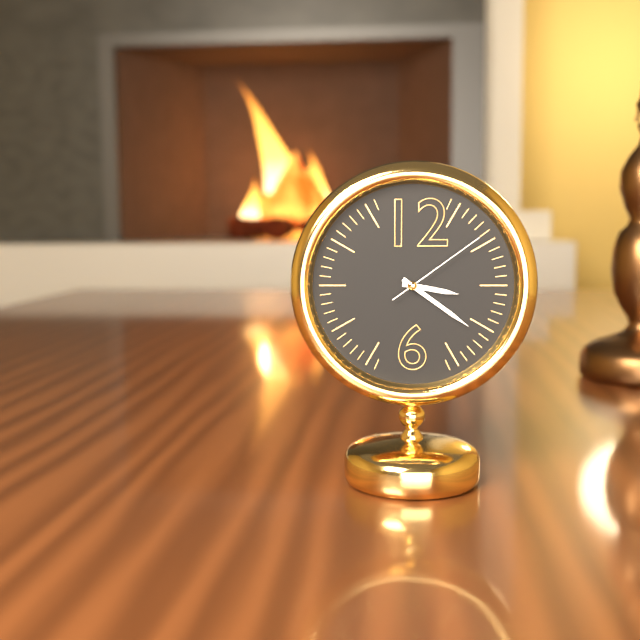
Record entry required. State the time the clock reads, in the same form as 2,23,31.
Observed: 3,21,09
